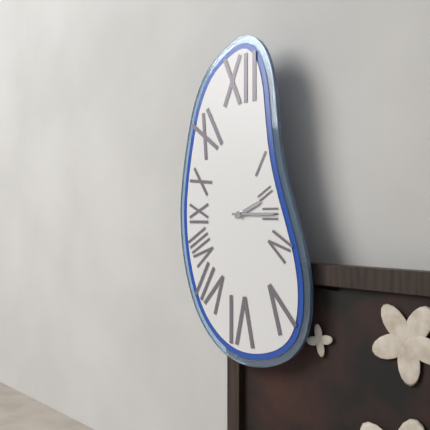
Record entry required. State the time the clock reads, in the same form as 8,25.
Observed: 2,15
